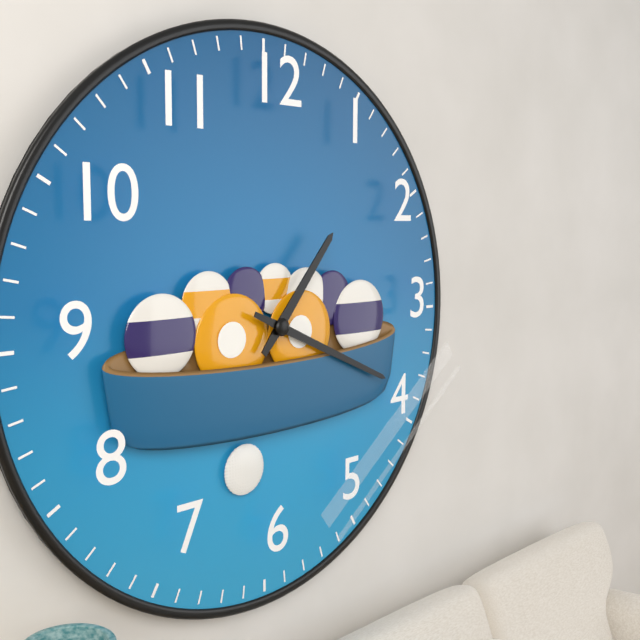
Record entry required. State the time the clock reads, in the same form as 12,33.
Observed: 1,19
